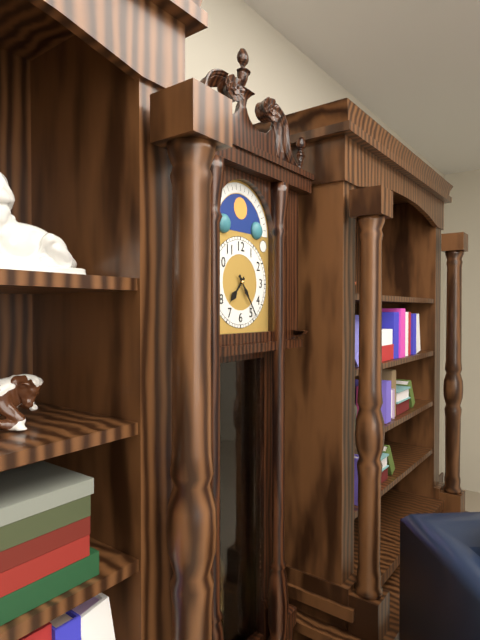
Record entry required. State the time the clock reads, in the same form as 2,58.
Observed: 7,24
